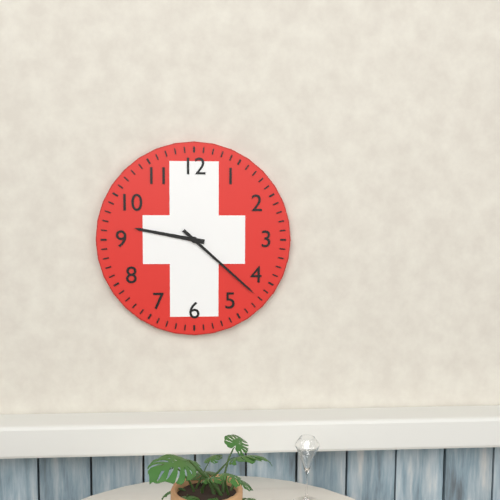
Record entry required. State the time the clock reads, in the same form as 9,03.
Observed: 9,22
